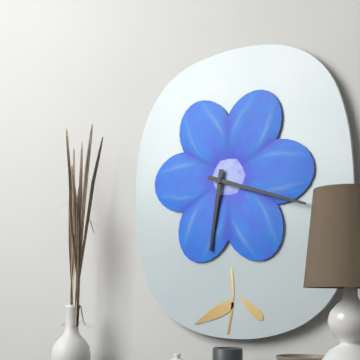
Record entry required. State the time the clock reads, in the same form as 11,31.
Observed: 6,18
